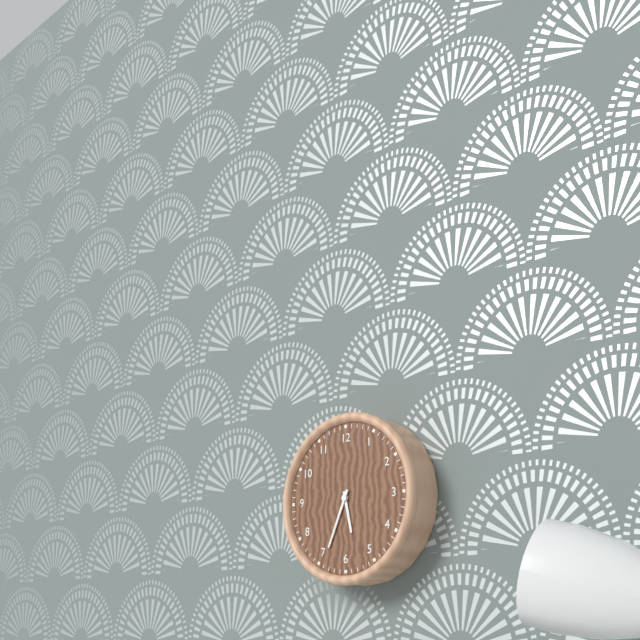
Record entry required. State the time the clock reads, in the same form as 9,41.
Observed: 5,34
